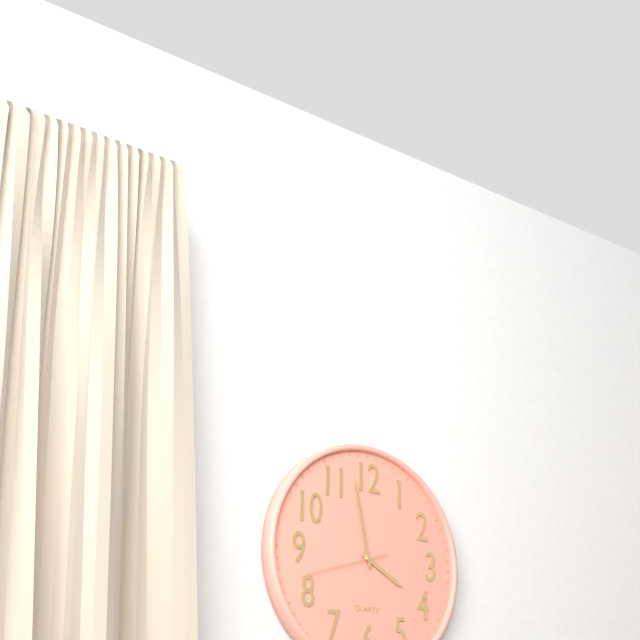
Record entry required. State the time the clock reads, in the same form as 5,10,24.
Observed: 3,58,42
